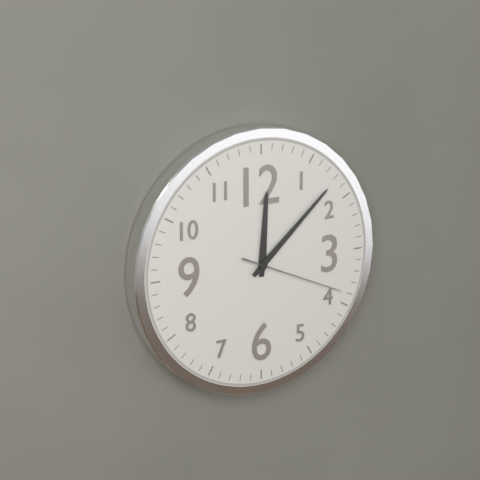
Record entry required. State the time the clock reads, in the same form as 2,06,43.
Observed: 12,08,19
